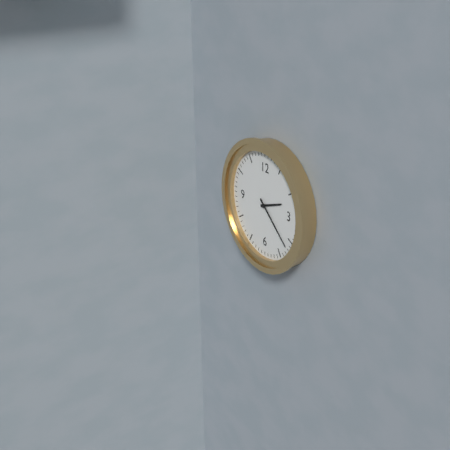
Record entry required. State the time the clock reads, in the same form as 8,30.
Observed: 2,22
